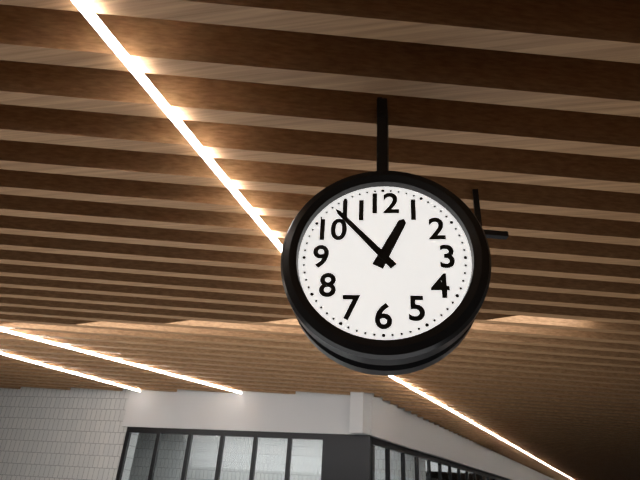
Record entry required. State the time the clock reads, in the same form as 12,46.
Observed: 12,53
